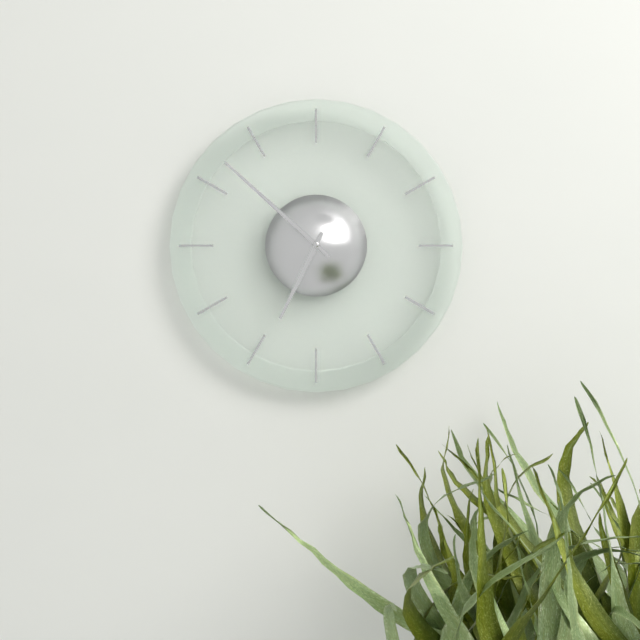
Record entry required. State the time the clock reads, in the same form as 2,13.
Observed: 6,52
